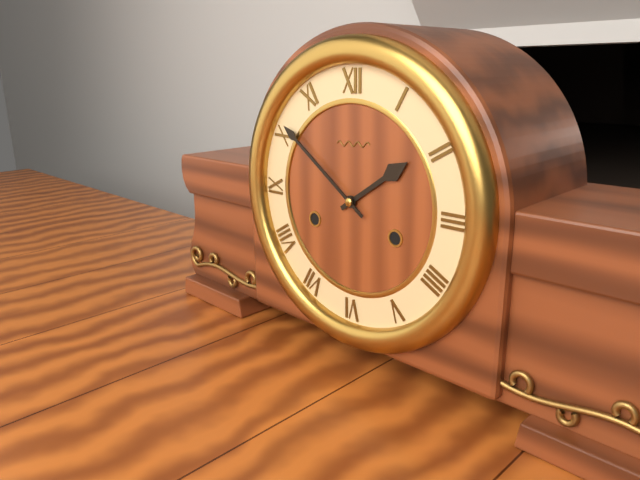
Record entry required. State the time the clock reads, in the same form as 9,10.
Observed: 1,51
